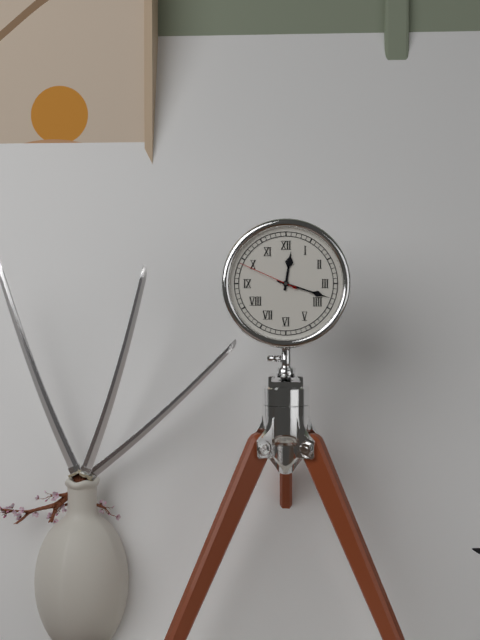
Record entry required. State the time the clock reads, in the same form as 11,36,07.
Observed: 12,18,49
